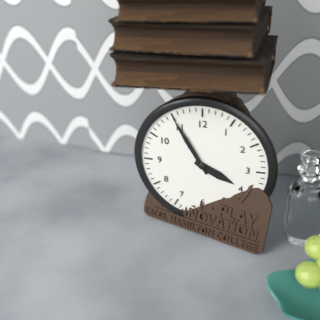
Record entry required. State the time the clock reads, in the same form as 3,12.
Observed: 3,55
